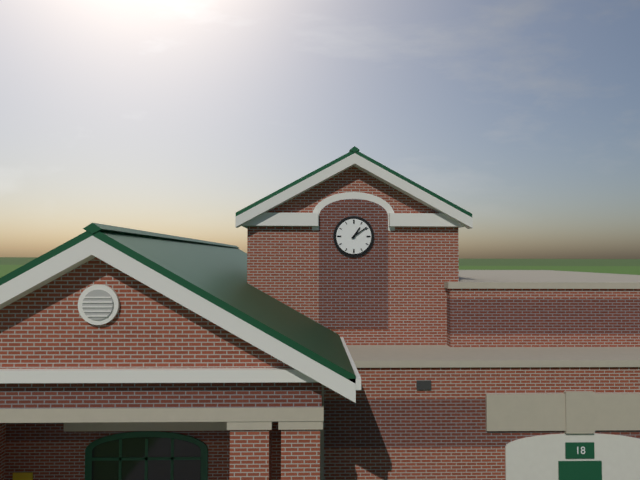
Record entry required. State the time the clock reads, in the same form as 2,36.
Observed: 1,09
